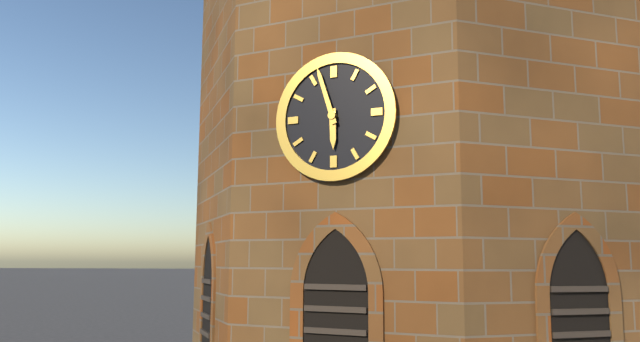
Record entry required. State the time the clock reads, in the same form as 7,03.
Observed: 5,57
